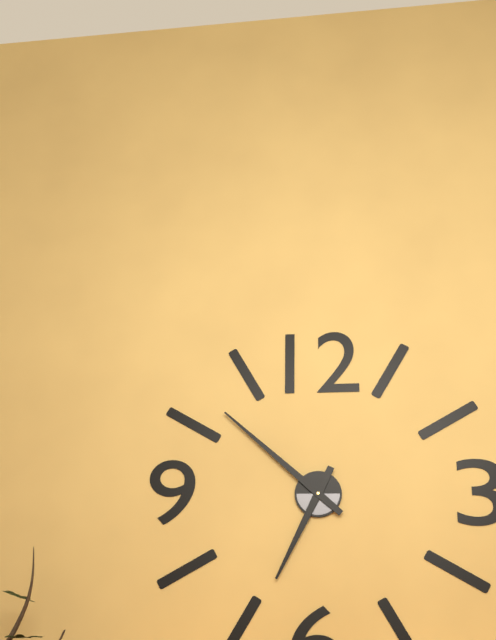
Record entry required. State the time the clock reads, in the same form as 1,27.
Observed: 6,52
